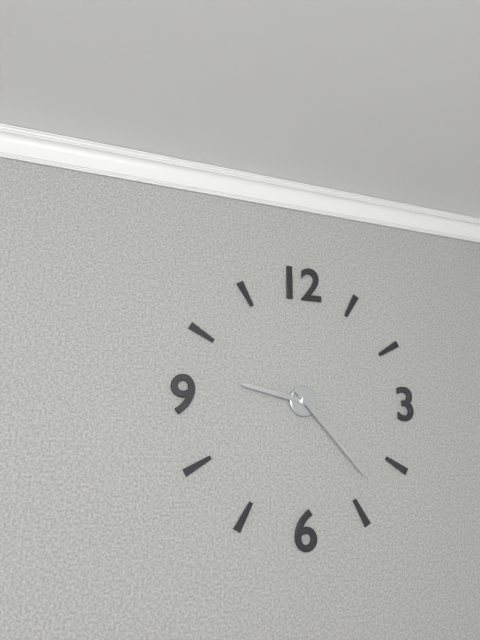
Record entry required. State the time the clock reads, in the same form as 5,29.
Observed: 9,23
